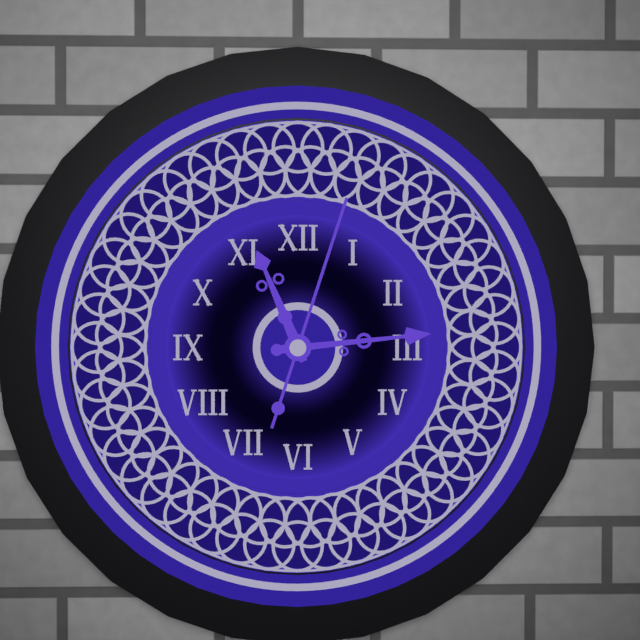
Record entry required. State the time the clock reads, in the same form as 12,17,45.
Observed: 11,14,03
